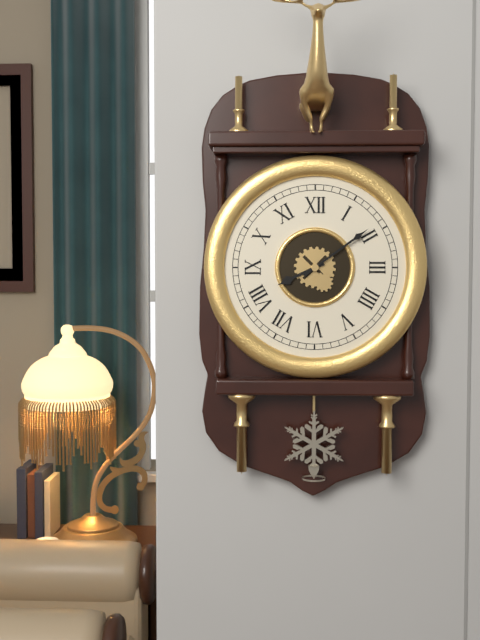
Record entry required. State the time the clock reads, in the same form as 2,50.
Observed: 8,09
